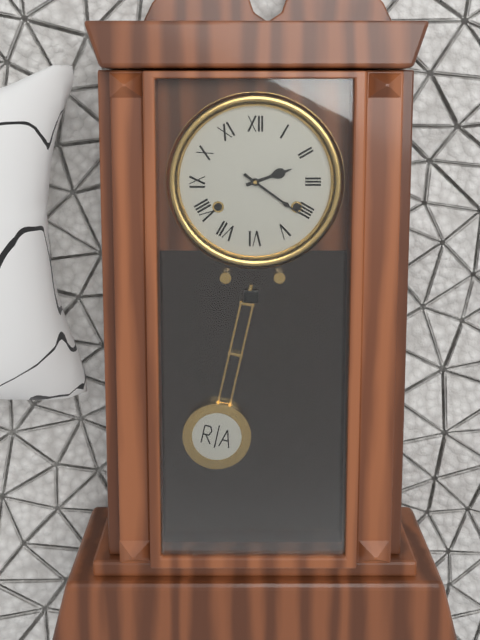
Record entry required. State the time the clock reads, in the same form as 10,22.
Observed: 2,21
